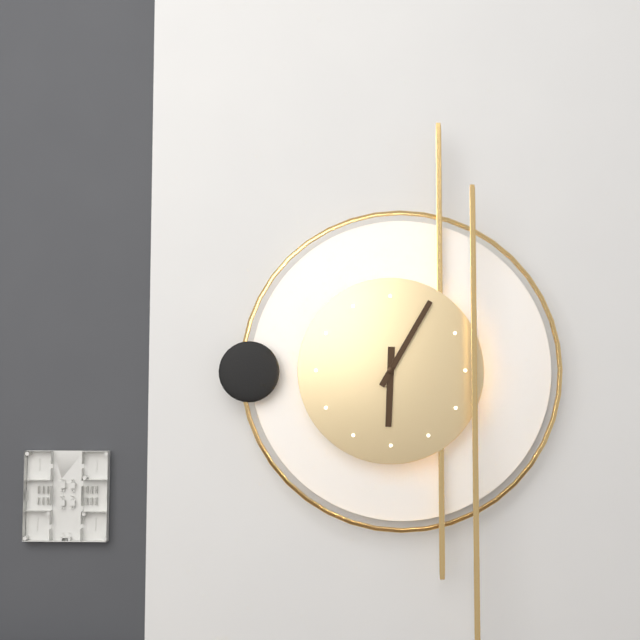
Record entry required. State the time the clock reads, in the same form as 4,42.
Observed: 6,05
